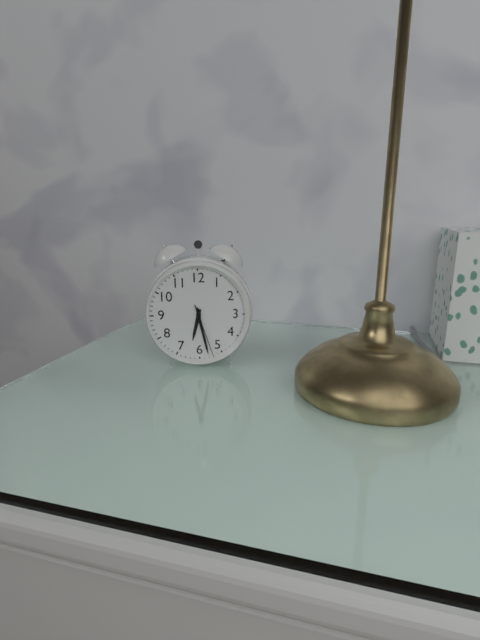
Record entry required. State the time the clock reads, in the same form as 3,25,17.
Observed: 6,28,27
